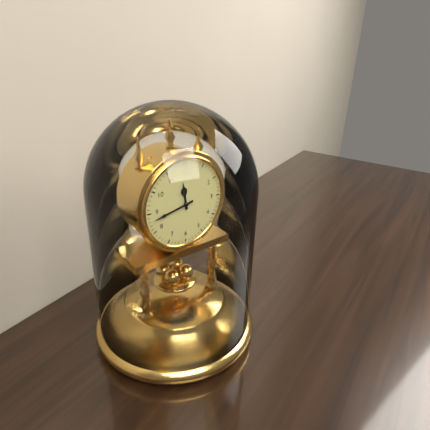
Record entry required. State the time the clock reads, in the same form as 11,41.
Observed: 11,43
